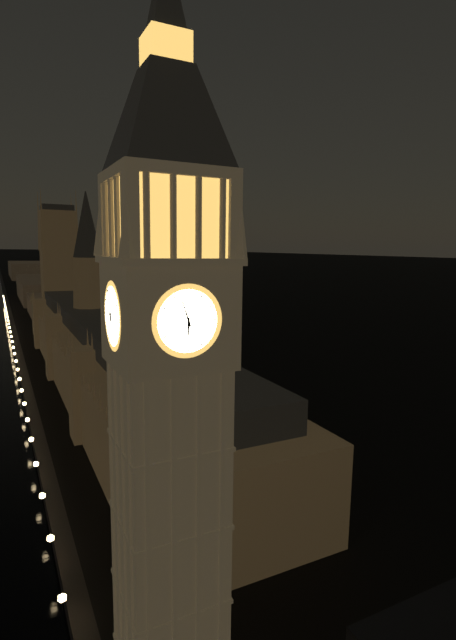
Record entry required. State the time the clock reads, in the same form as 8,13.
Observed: 5,57
